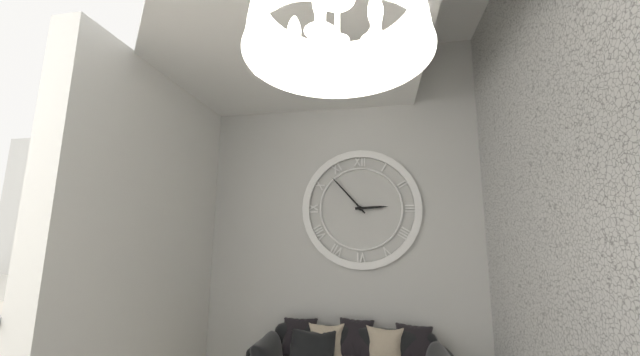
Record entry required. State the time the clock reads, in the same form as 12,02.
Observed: 2,53
